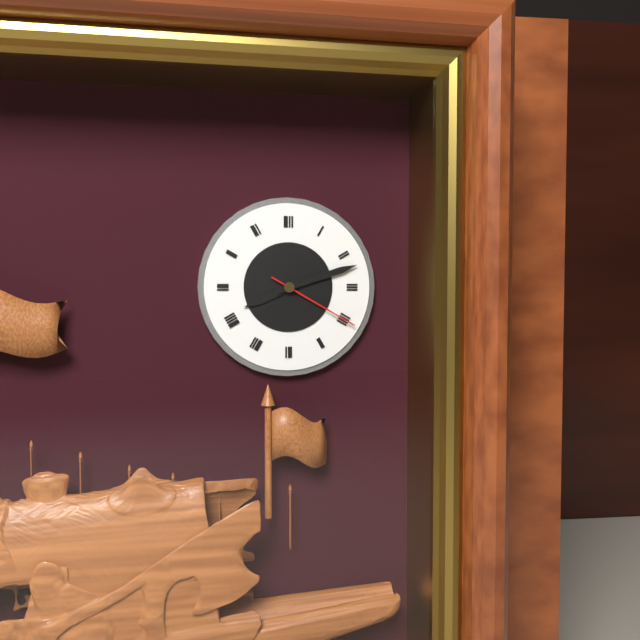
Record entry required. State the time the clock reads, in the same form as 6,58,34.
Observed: 8,12,20
